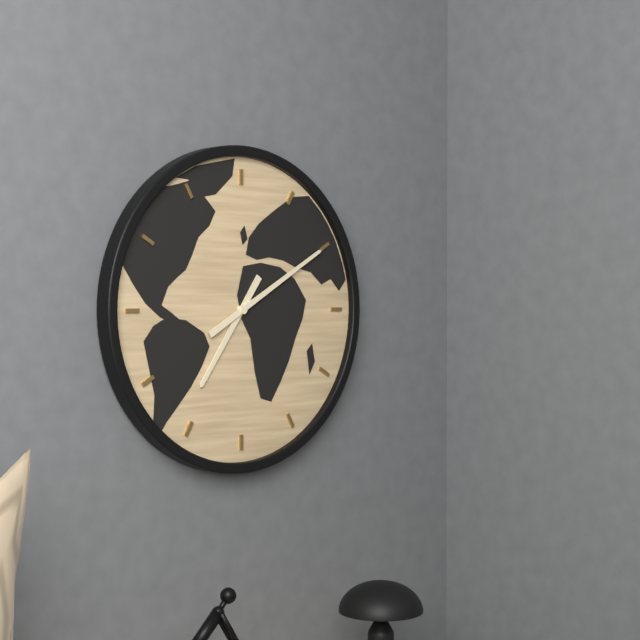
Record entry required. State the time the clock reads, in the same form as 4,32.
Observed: 7,10
